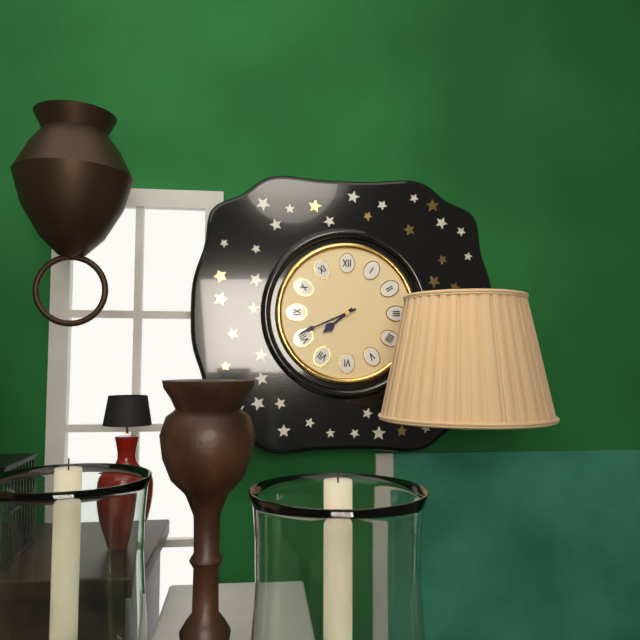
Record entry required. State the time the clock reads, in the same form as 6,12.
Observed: 7,41
